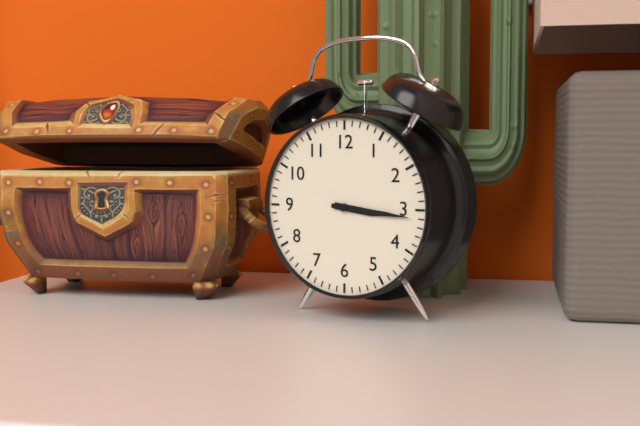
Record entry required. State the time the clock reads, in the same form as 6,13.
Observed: 3,16
